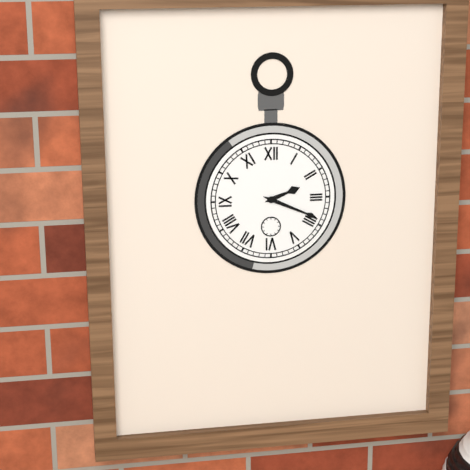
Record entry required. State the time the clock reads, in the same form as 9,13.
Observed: 2,19
